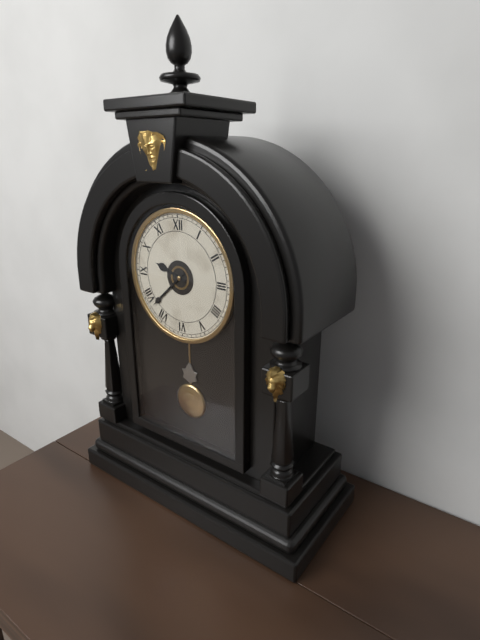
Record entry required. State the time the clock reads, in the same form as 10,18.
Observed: 9,38
